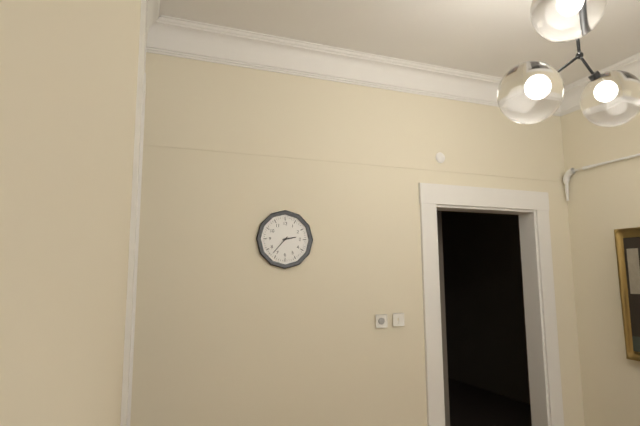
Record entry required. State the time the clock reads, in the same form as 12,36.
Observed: 2,37
